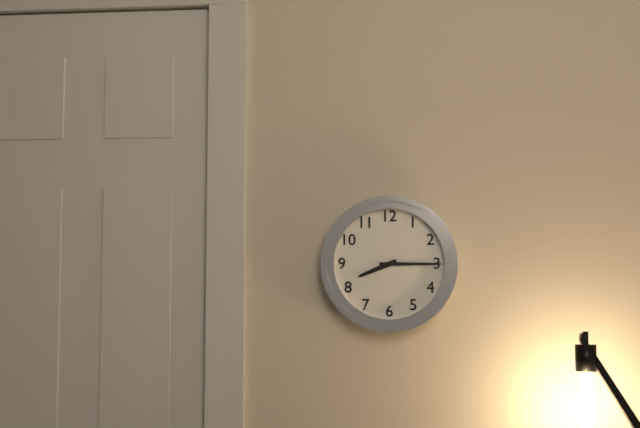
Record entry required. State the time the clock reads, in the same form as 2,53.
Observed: 8,15
